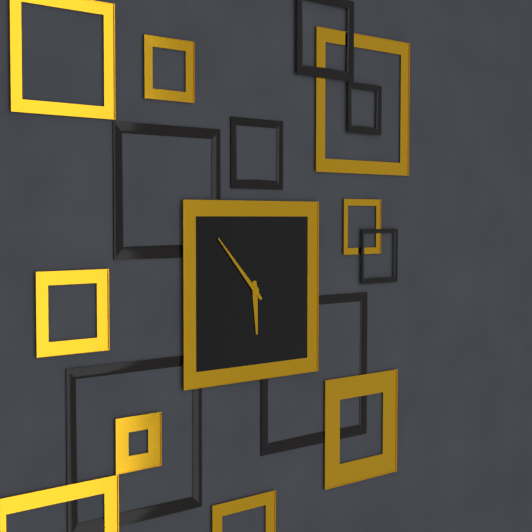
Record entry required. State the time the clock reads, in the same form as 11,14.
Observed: 5,53
